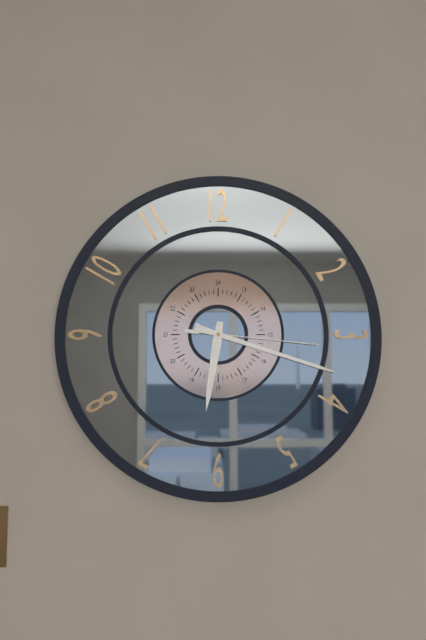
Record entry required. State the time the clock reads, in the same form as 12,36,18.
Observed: 6,18,16
